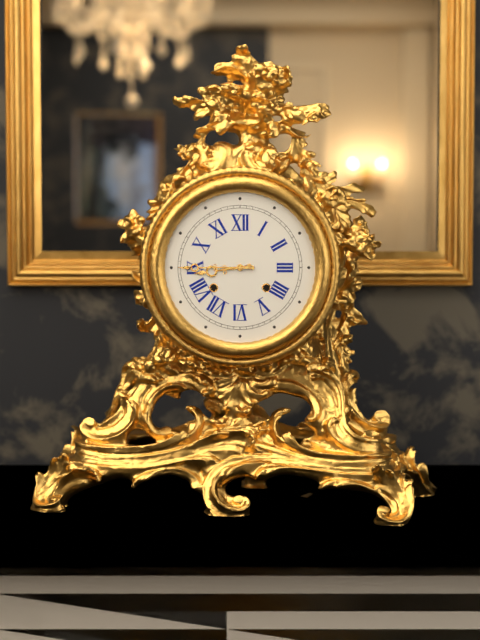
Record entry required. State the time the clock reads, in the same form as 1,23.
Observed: 8,45
